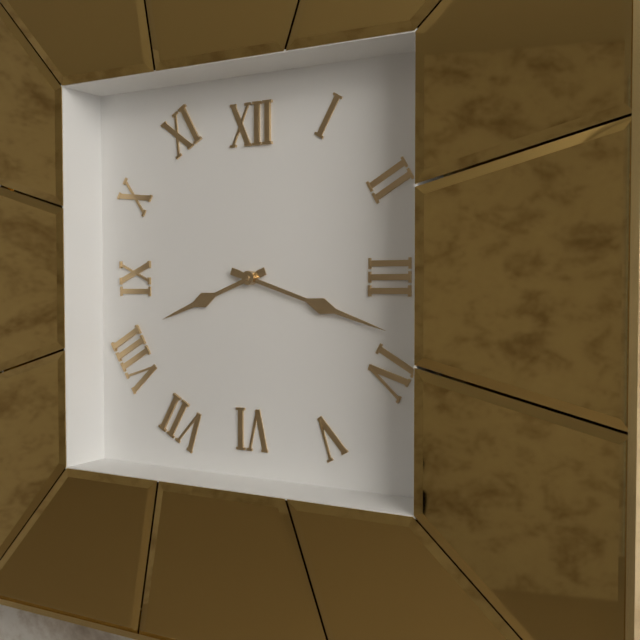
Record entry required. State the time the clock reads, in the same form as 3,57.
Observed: 8,18
